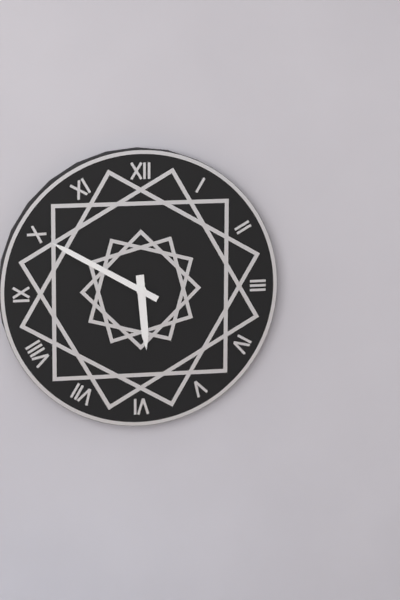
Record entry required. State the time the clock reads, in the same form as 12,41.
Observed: 5,50
